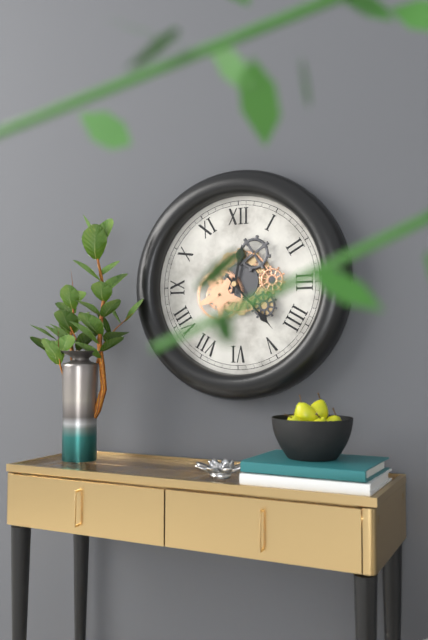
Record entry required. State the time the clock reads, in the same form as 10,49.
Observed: 12,23
